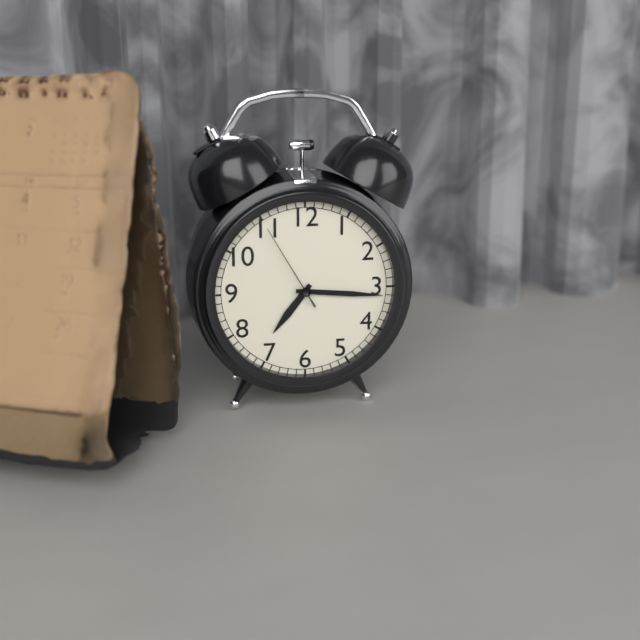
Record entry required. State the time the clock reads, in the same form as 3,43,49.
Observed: 7,16,55
